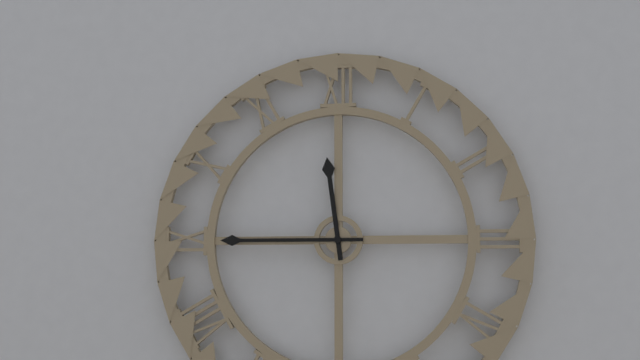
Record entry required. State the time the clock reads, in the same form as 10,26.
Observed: 11,45
